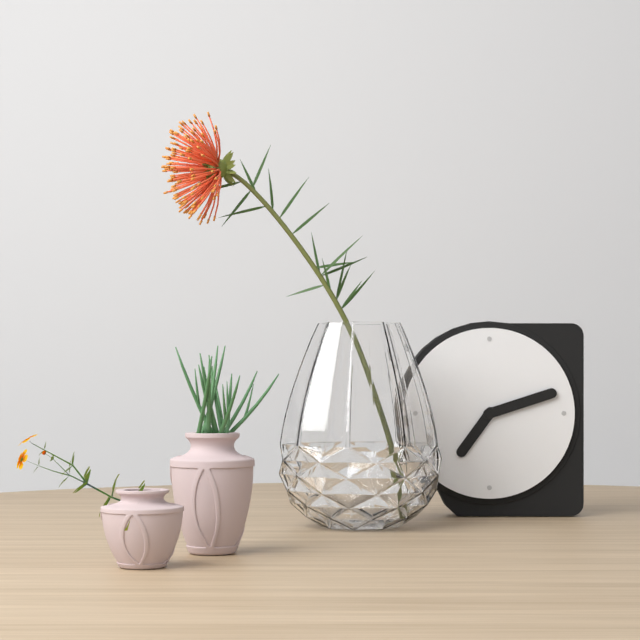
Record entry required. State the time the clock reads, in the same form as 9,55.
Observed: 7,12
